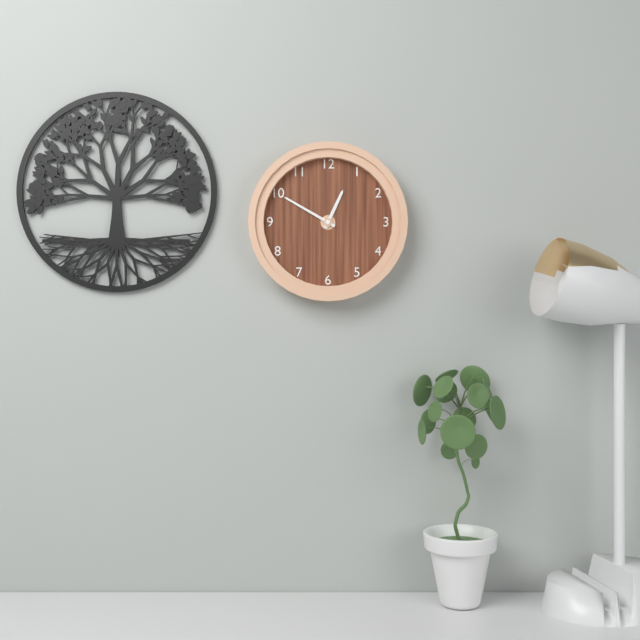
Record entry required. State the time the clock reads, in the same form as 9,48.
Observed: 12,50
